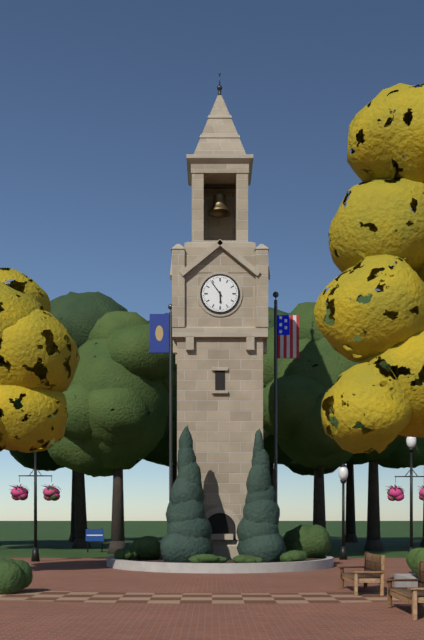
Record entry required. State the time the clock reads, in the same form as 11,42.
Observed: 5,54
